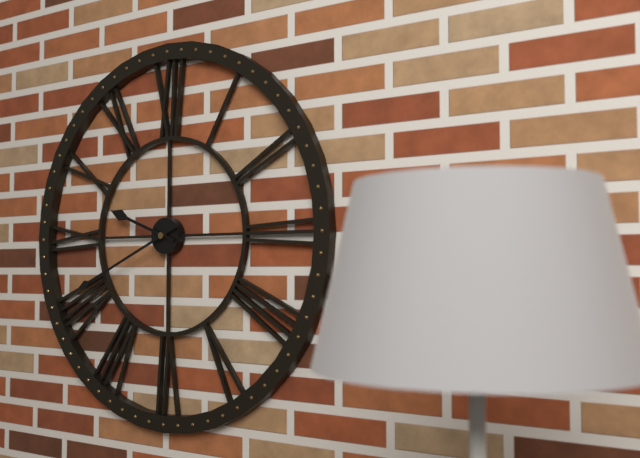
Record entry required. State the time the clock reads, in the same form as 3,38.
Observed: 9,41
